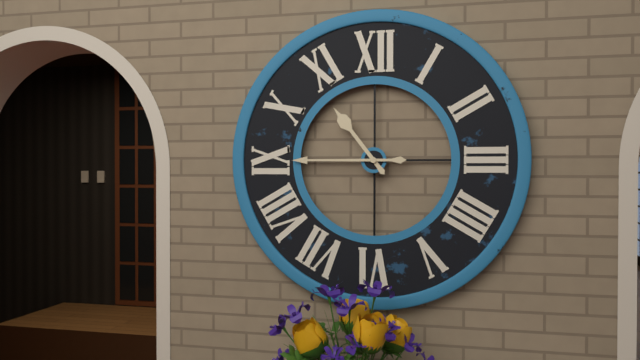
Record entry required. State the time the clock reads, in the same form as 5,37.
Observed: 10,45
